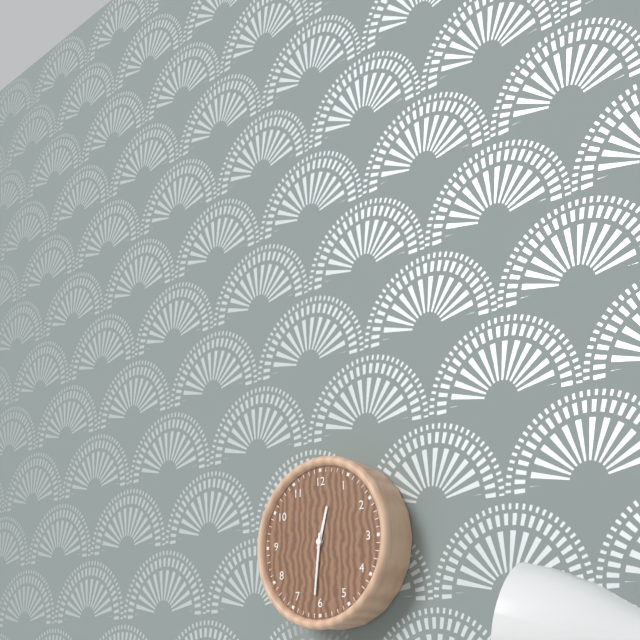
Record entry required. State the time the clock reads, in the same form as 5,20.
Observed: 12,31
